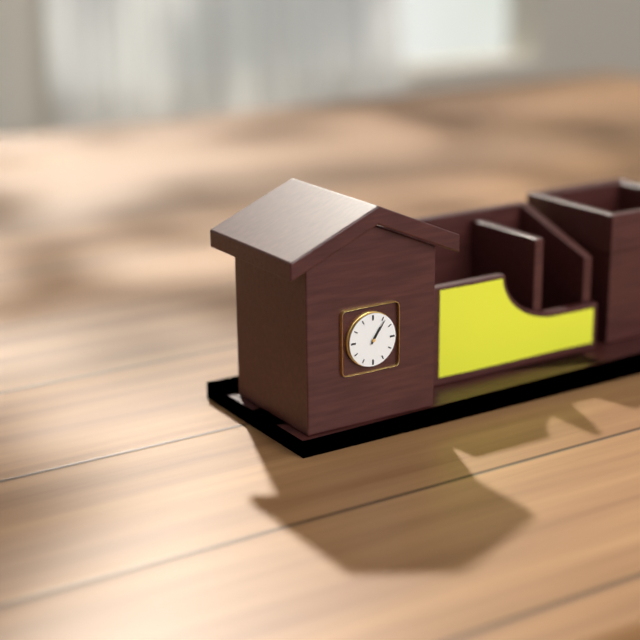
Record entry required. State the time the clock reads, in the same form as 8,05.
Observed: 1,06
